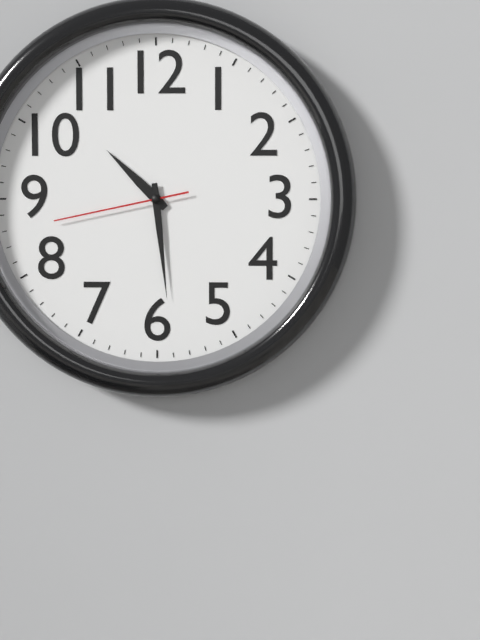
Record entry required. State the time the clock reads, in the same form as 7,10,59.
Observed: 10,29,43
